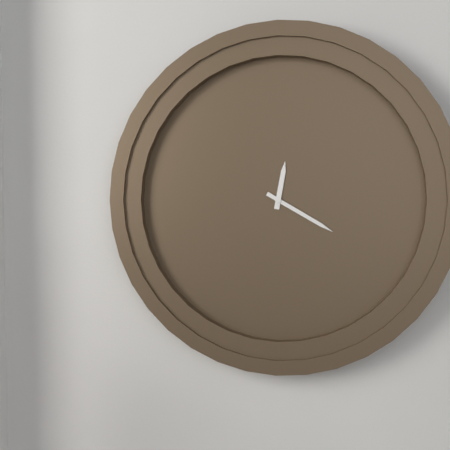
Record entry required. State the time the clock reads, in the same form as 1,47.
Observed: 12,20
